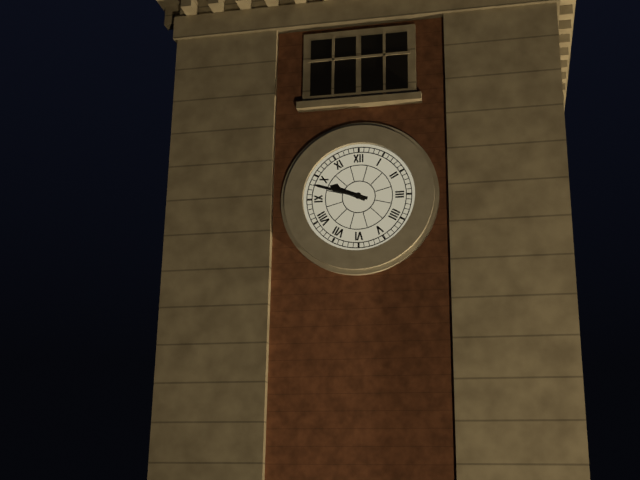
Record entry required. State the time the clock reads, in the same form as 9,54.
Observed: 9,48
